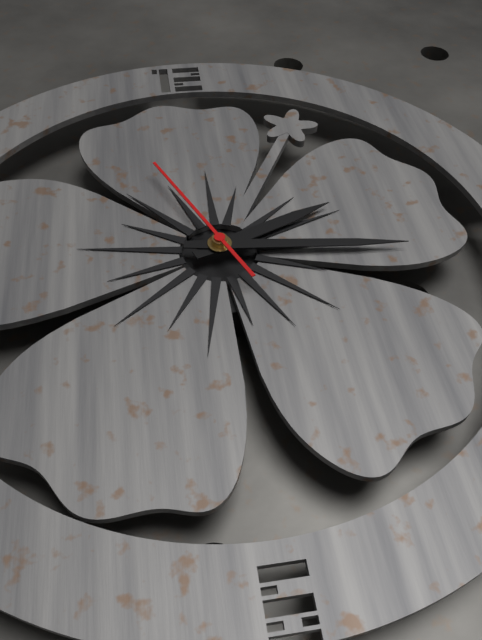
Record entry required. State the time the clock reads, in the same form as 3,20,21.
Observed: 2,16,56
